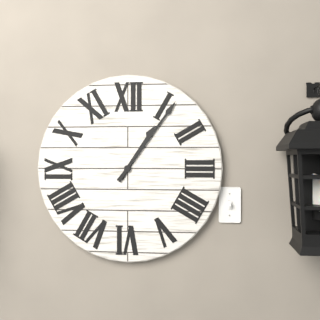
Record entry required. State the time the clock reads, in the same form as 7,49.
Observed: 1,06
